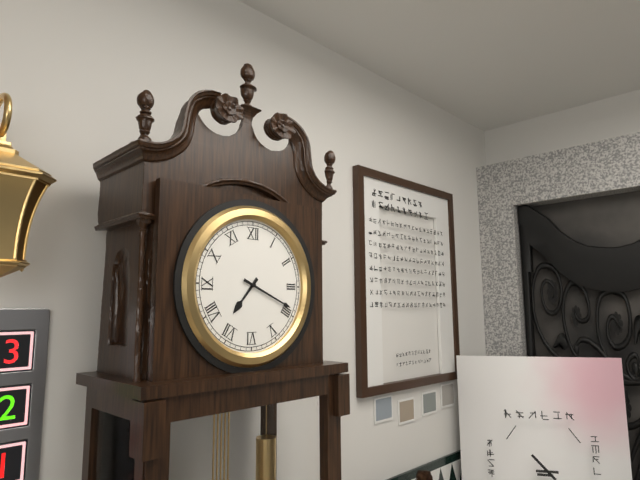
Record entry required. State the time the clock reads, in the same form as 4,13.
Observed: 7,19
